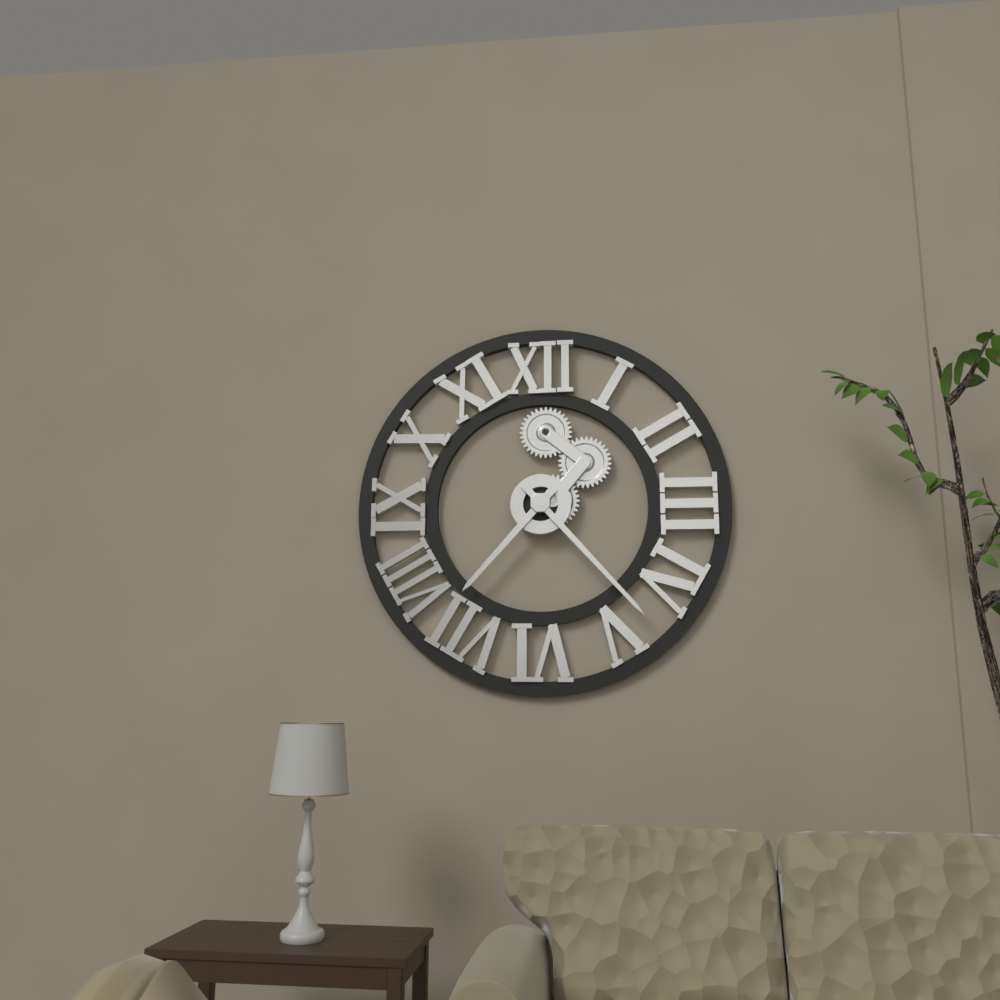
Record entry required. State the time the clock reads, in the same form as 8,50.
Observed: 7,23
